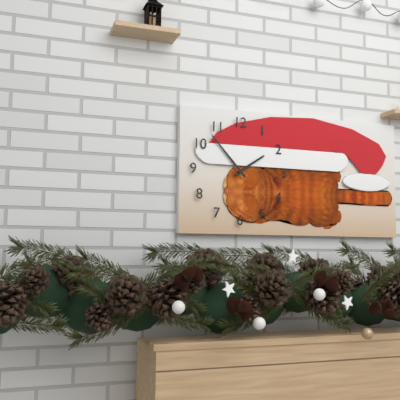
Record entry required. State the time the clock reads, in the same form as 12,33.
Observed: 1,53
